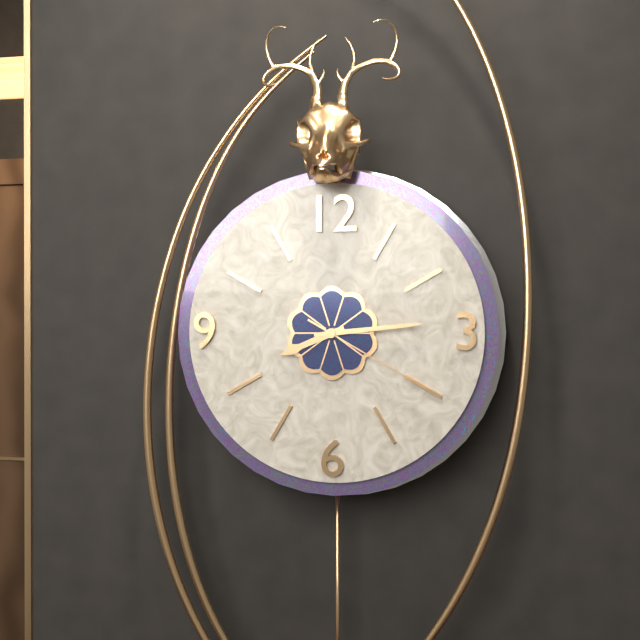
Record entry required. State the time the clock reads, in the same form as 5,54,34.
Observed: 8,14,20
